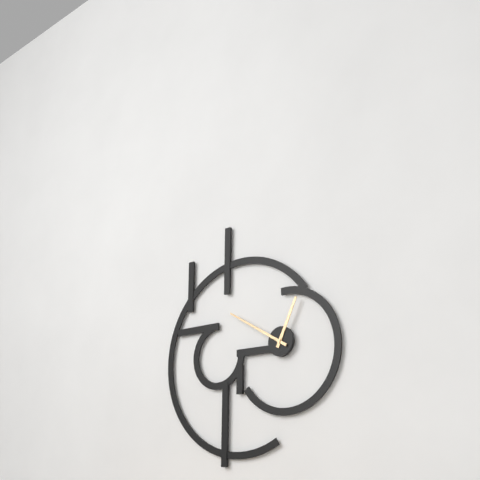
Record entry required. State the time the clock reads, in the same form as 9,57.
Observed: 12,50
